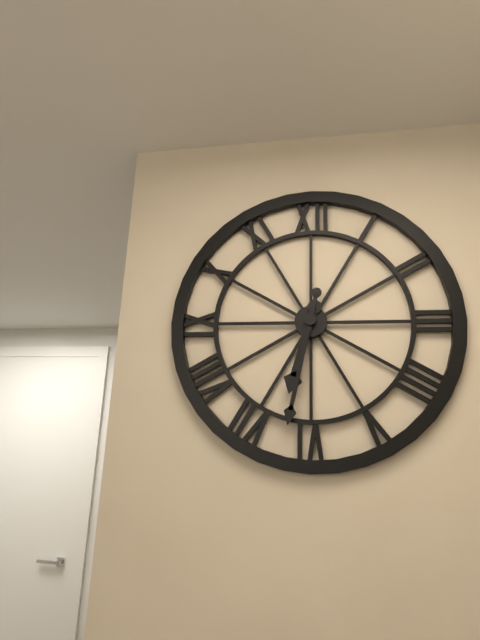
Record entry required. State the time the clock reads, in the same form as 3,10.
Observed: 6,32
